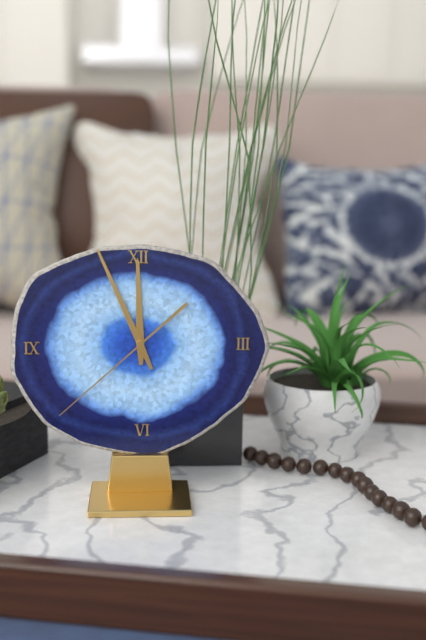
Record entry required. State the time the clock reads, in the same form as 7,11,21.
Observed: 11,56,38
